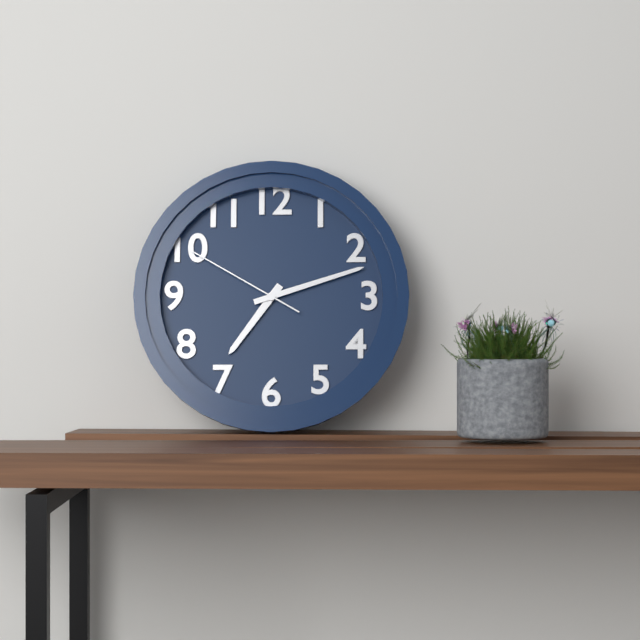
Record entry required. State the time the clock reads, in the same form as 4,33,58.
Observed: 7,12,50
